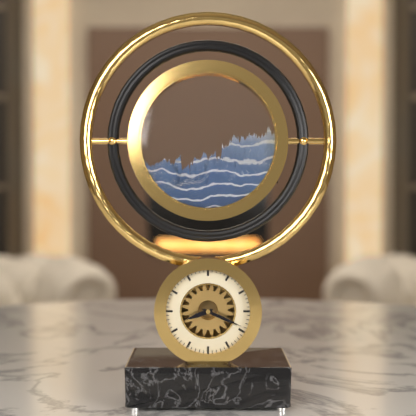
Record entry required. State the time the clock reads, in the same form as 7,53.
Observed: 8,19
